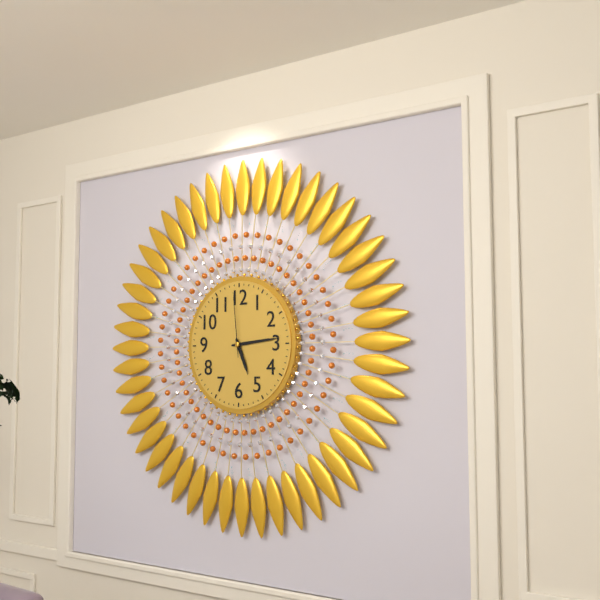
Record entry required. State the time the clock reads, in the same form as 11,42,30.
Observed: 5,14,59
